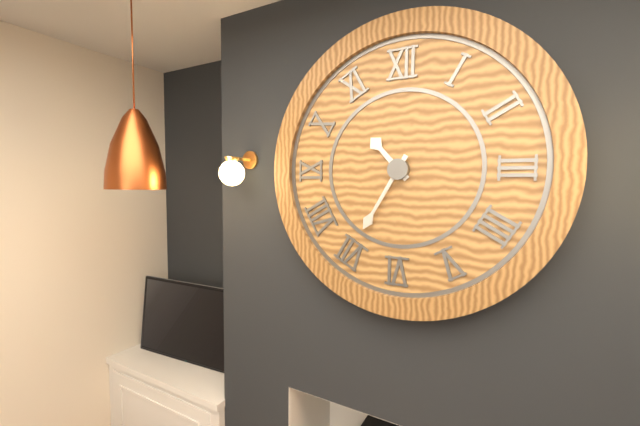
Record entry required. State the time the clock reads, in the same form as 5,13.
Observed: 10,35
